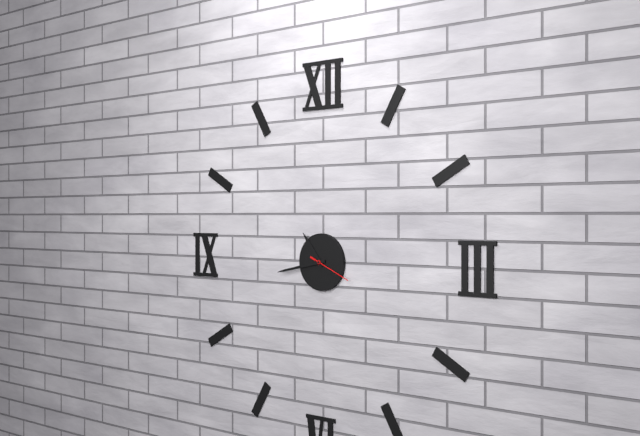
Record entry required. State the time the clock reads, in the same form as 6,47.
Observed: 10,43
